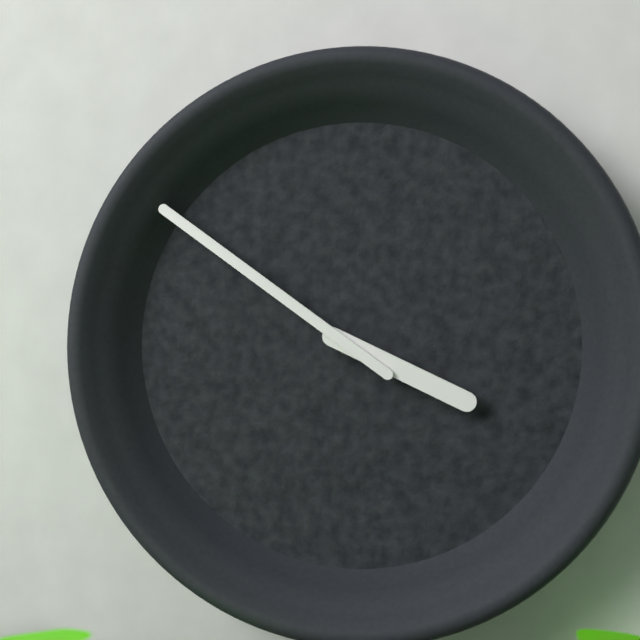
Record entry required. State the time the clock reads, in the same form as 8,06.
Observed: 3,51
